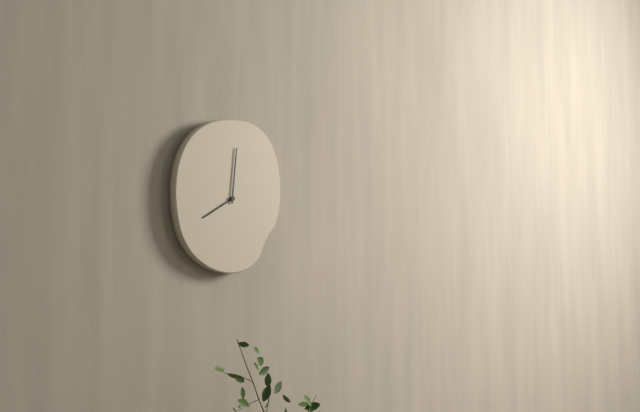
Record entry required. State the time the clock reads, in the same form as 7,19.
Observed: 8,01
